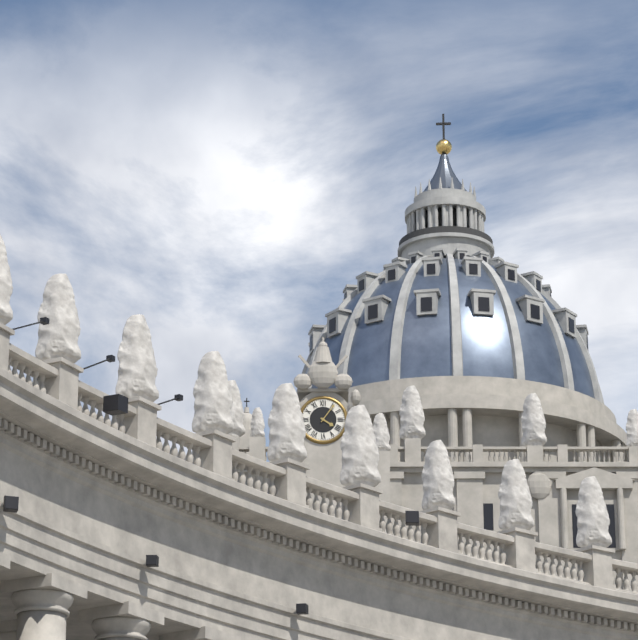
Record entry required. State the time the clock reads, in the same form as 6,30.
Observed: 4,06
